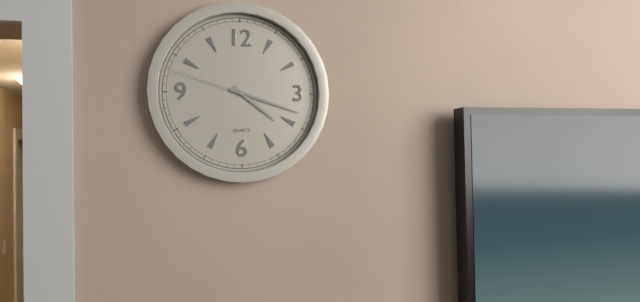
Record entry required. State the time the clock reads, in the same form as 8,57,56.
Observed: 4,18,48
